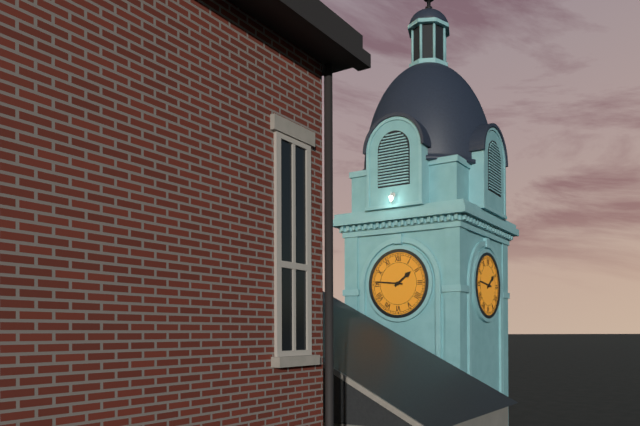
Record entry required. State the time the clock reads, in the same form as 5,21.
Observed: 1,46
